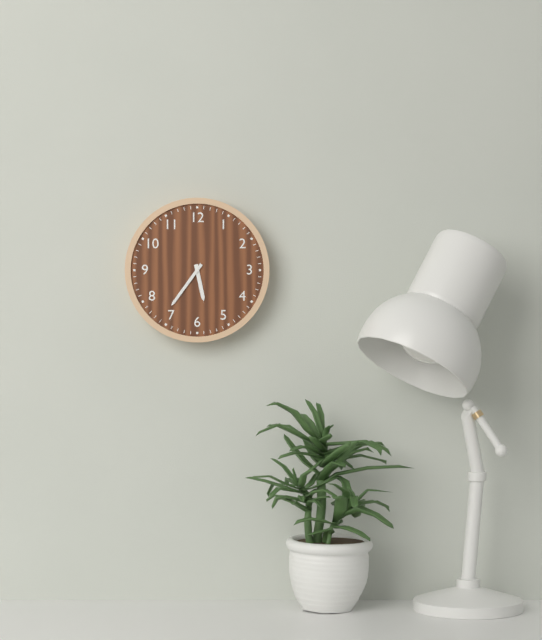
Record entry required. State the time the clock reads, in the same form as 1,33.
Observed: 5,36
